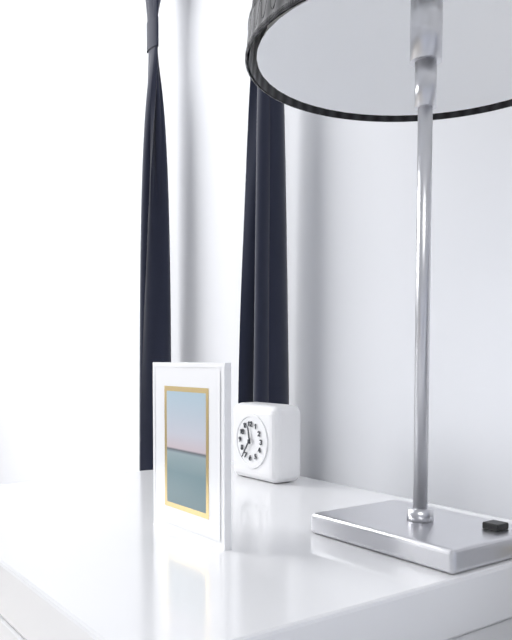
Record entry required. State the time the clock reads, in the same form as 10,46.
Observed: 11,36
